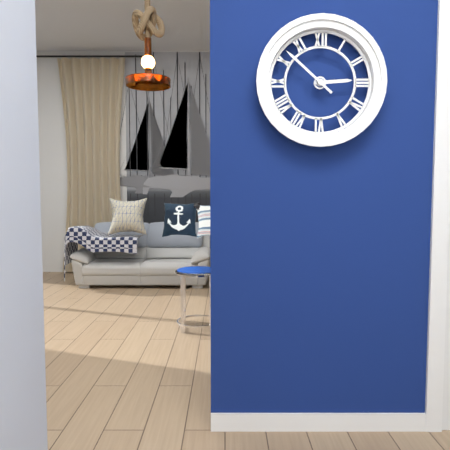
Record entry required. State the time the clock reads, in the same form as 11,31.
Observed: 2,52
